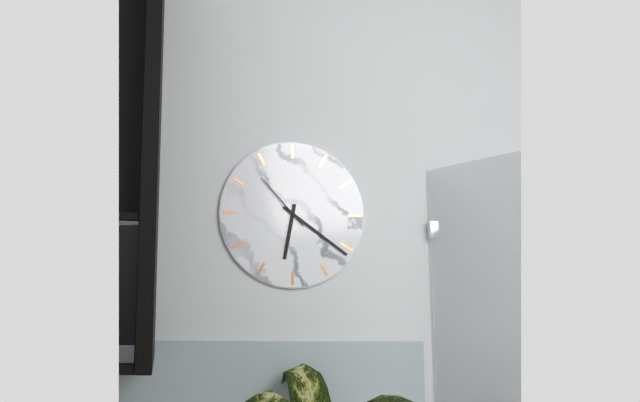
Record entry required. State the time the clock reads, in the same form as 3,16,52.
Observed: 6,21,53
